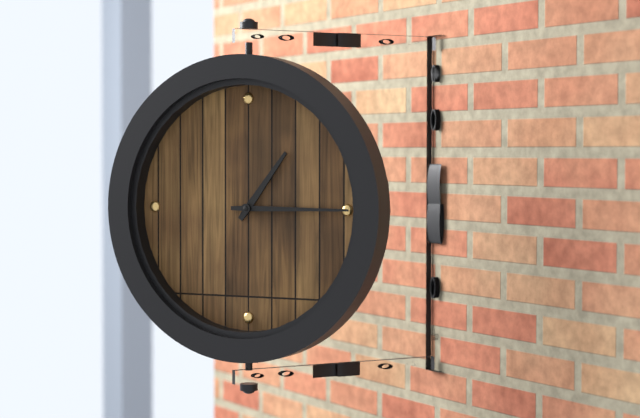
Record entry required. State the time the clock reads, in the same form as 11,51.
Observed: 1,15
